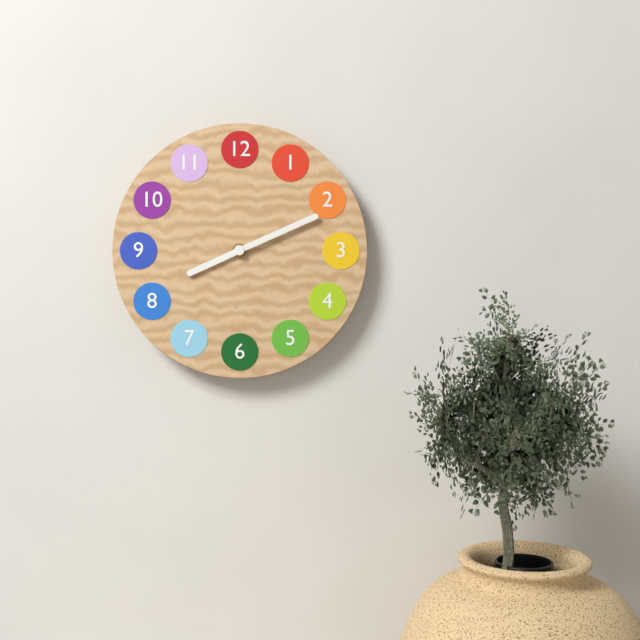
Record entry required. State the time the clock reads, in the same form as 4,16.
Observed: 8,11
